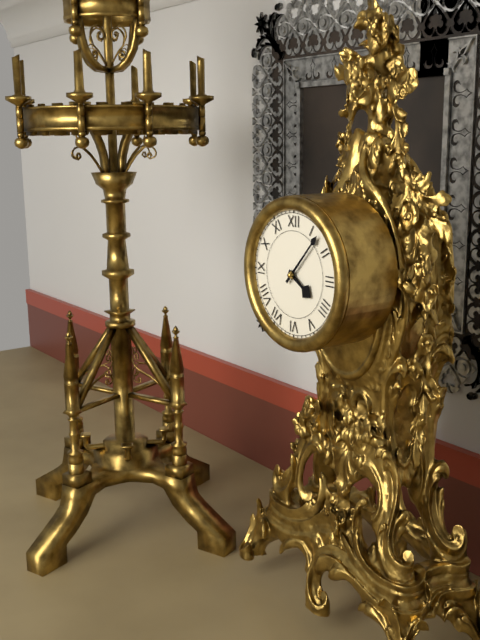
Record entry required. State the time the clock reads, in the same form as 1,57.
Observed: 4,07
